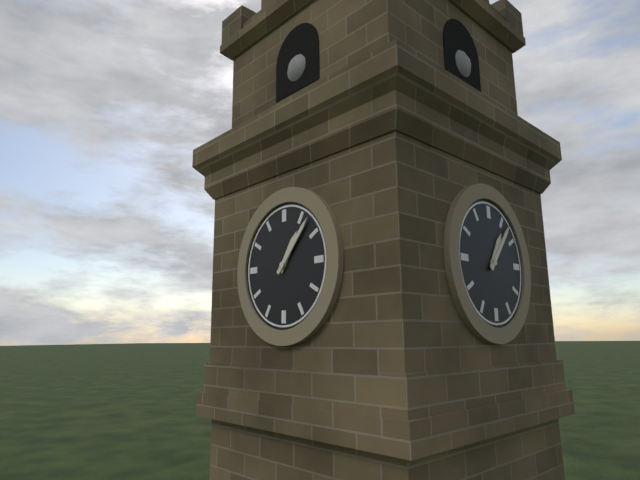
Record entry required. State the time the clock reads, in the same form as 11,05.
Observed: 1,07
